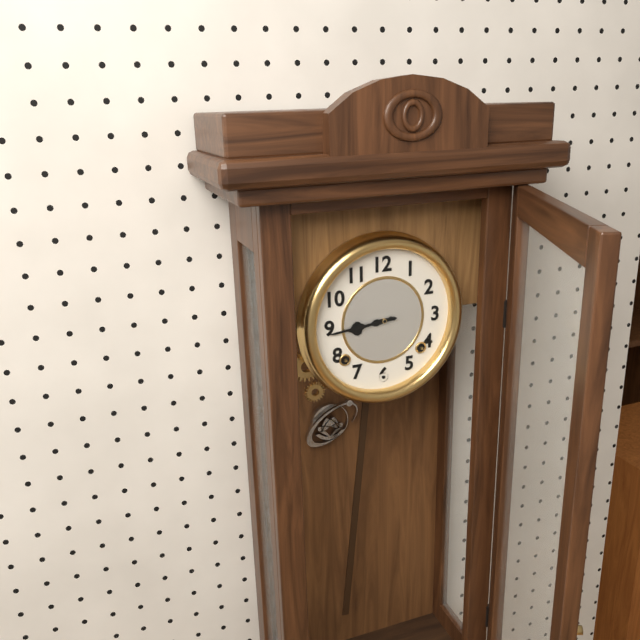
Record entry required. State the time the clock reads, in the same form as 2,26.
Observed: 8,44
